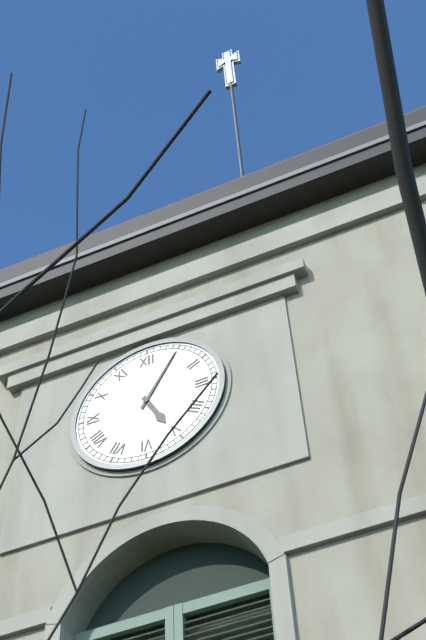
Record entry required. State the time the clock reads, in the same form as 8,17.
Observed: 5,05
